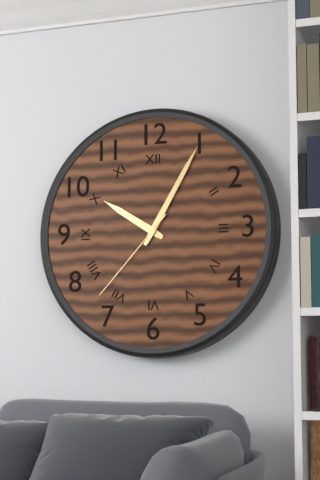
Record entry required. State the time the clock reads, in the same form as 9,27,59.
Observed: 10,05,37
